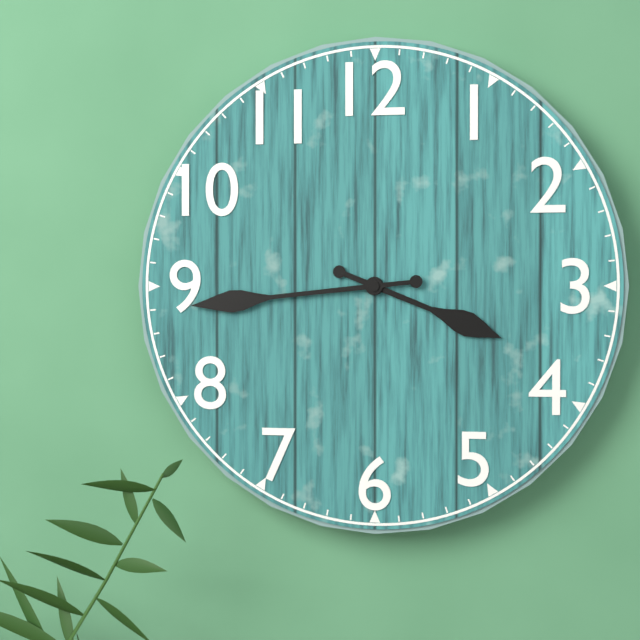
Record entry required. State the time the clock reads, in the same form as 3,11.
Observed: 3,44
